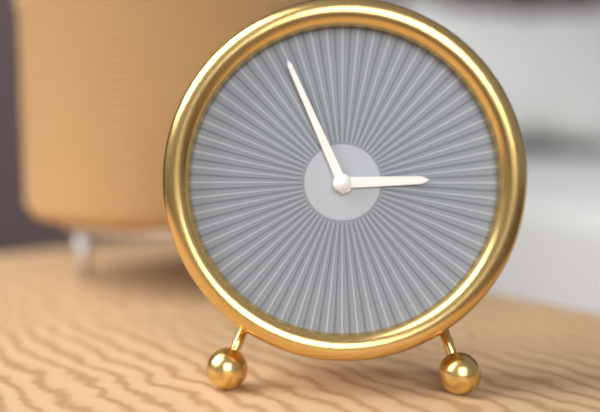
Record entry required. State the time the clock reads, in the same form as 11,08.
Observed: 2,56
